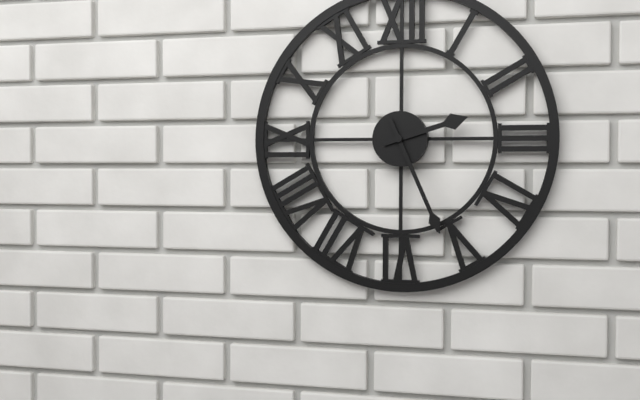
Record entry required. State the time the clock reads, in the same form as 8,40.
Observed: 2,26
